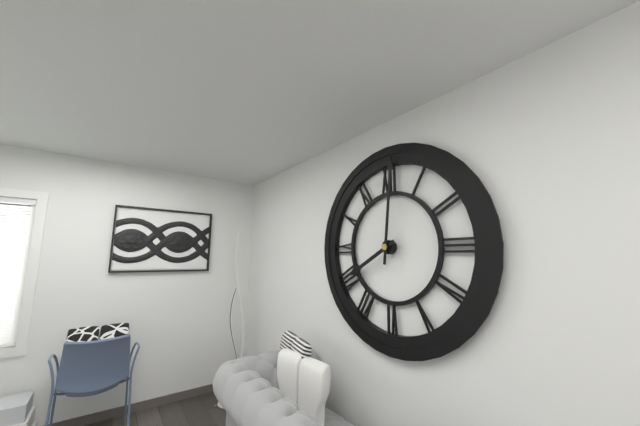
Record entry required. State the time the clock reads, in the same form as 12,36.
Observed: 8,01
